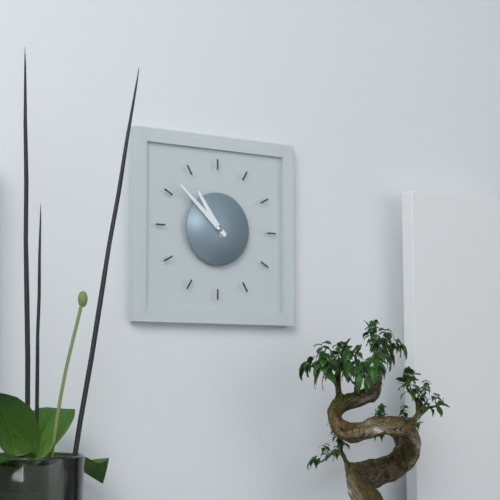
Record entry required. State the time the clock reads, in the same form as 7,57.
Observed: 10,52
